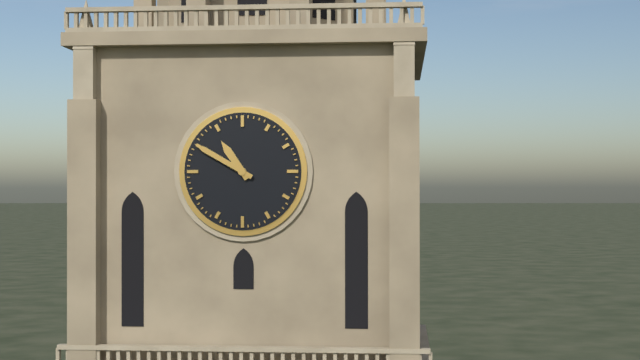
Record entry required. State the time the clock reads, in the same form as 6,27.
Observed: 10,50
